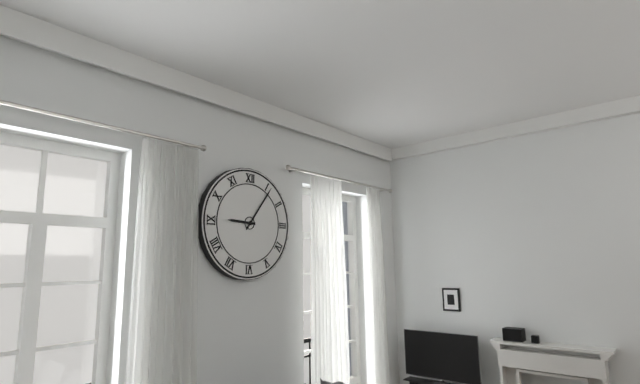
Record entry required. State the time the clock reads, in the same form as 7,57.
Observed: 9,06
